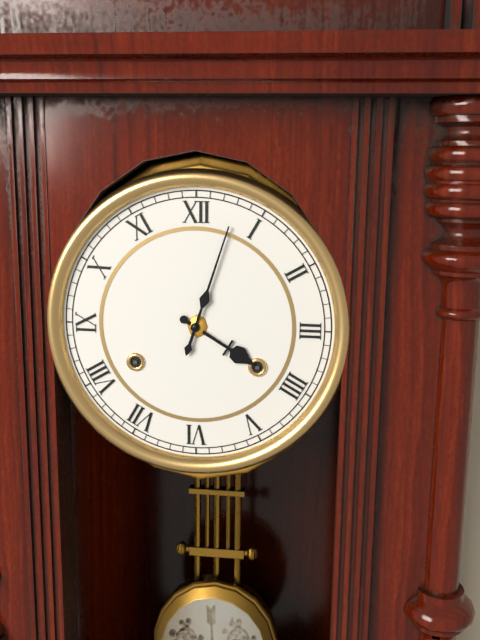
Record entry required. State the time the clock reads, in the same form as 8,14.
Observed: 4,03
